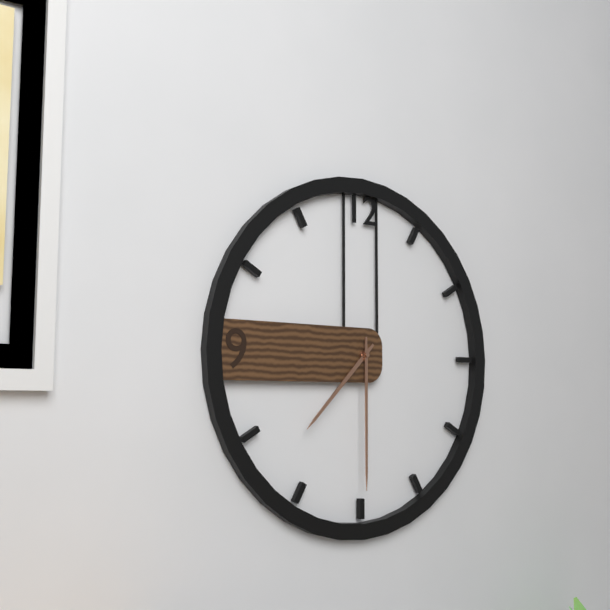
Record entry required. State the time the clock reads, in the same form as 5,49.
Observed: 7,30
